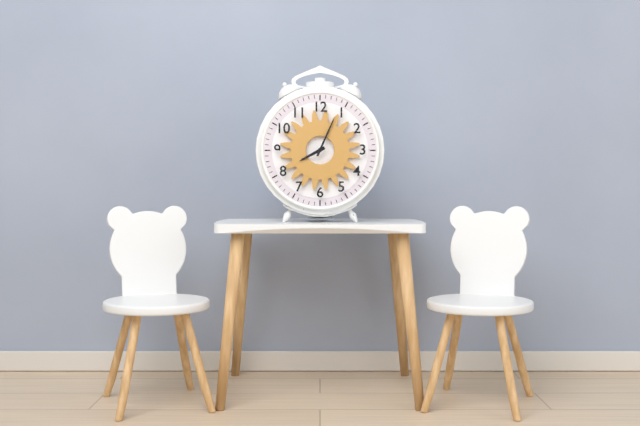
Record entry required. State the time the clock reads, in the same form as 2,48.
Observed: 8,04
